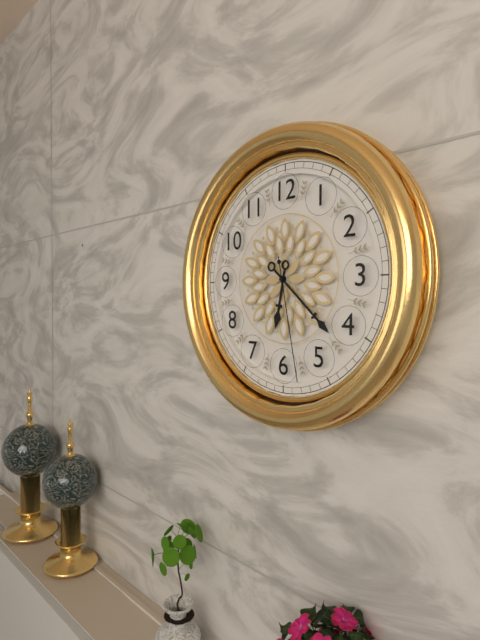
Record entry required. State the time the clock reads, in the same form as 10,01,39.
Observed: 6,22,28
